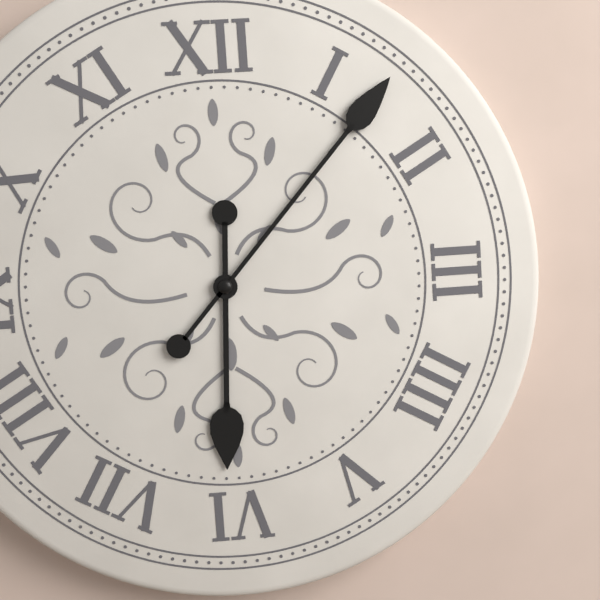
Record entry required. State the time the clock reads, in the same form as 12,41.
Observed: 6,07
